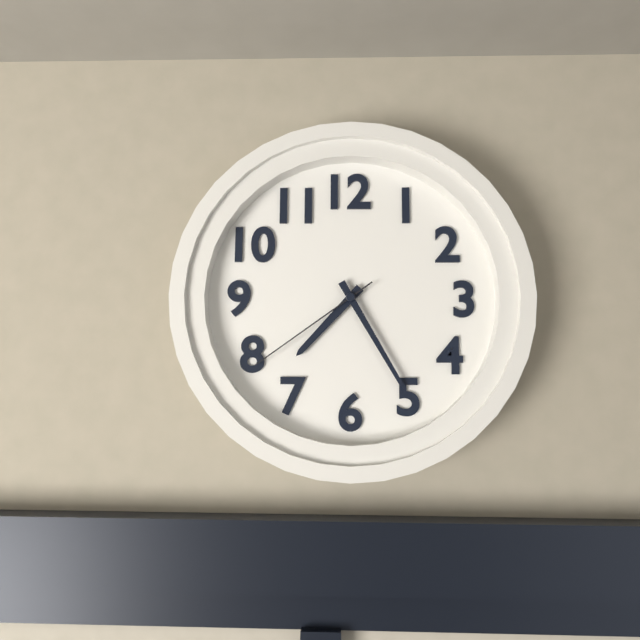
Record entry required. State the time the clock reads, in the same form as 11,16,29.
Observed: 7,25,39
